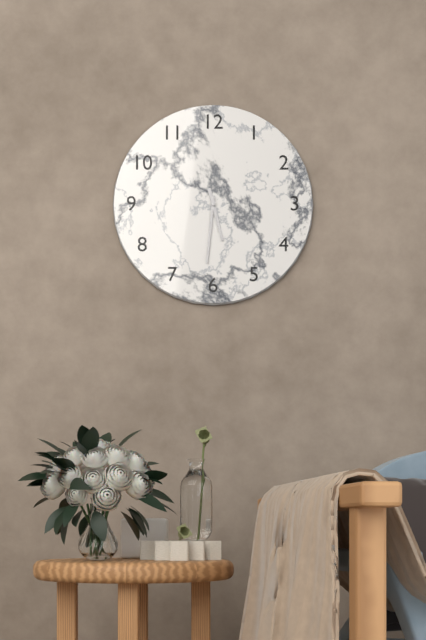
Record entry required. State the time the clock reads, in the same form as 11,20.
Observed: 5,31
